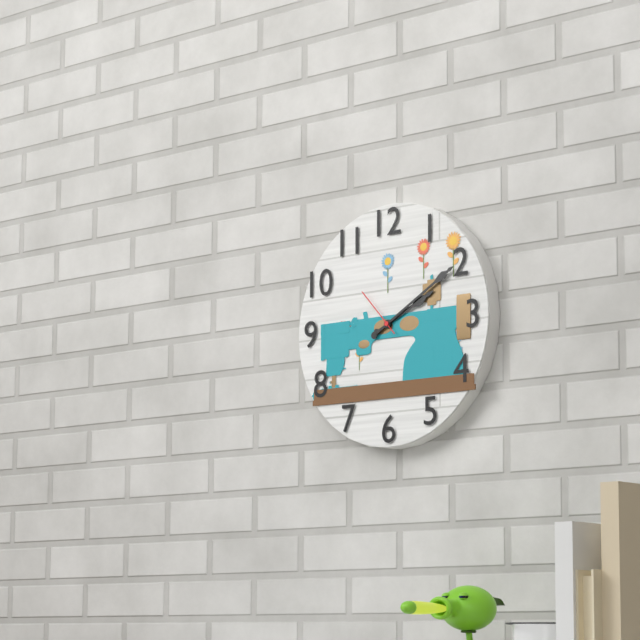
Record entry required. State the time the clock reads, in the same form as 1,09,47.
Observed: 2,10,53
